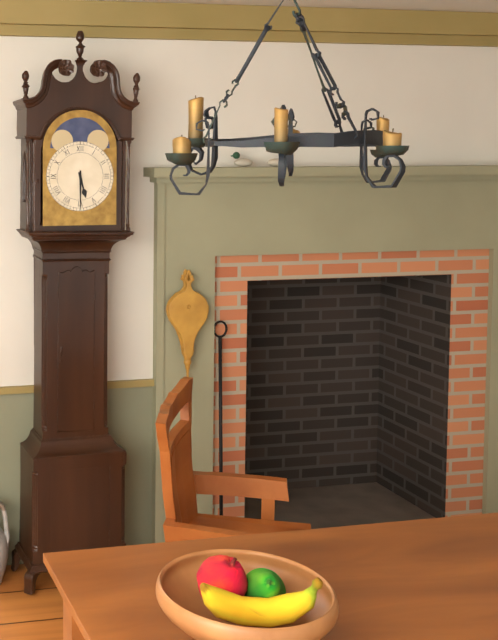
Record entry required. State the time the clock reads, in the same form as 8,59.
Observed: 5,30
